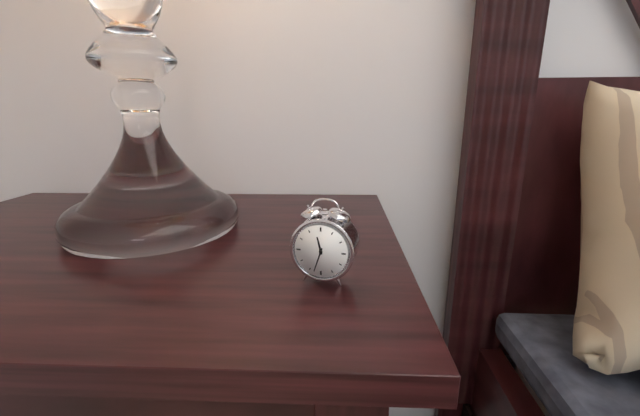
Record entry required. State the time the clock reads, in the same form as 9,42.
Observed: 11,33
